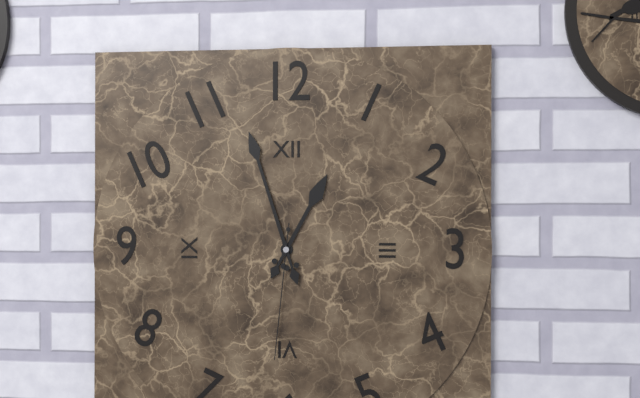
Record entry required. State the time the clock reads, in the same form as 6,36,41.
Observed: 12,57,31
